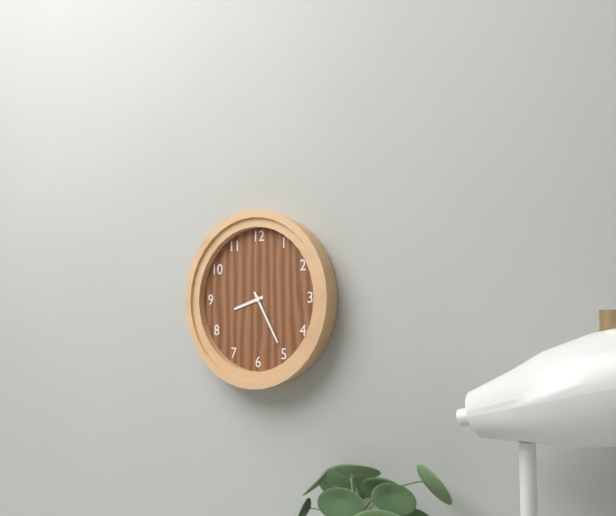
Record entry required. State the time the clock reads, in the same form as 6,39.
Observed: 8,25
